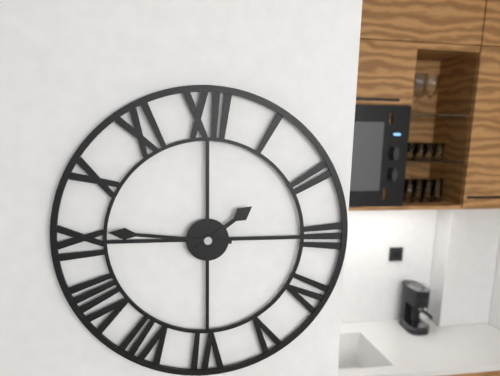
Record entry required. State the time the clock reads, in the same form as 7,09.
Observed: 1,46
